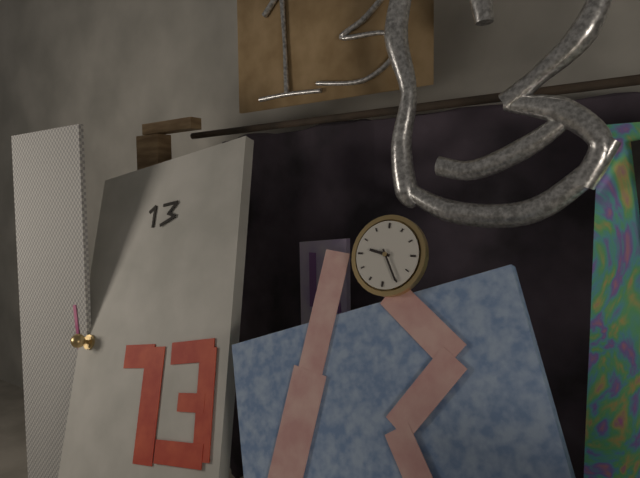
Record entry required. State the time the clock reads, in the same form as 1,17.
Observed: 9,25
